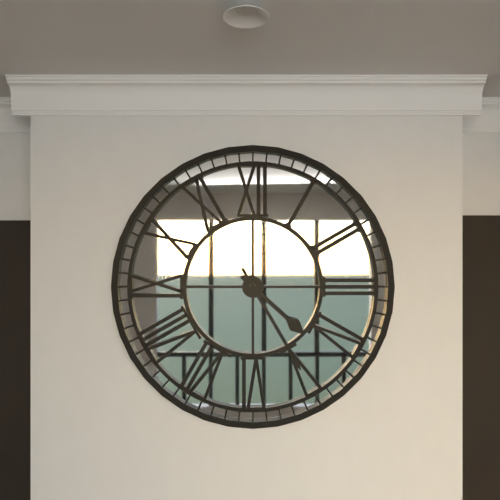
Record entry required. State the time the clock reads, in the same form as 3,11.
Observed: 4,25
